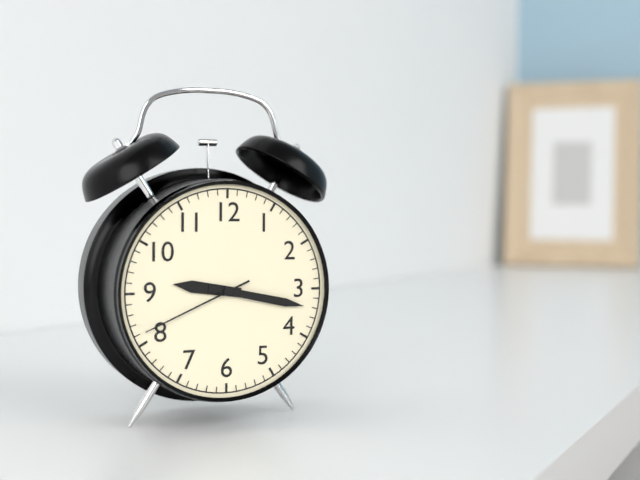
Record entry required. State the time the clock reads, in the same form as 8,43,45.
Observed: 9,17,41
